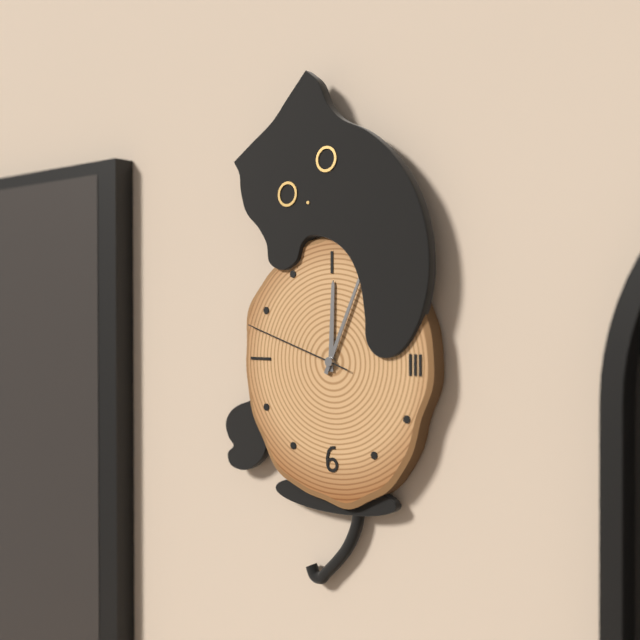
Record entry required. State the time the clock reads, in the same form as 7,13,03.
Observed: 12,04,48
